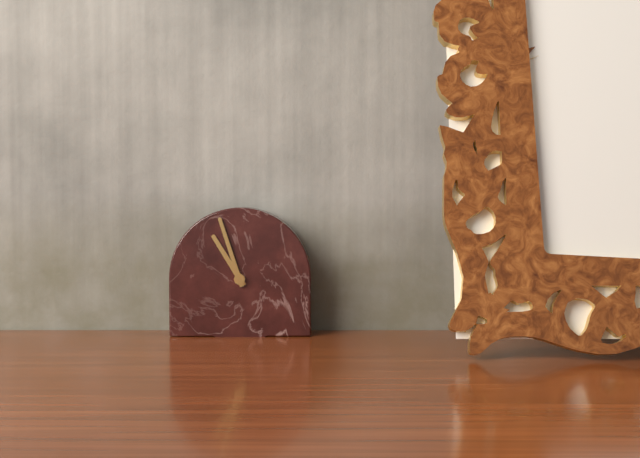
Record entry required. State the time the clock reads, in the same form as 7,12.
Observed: 10,57
